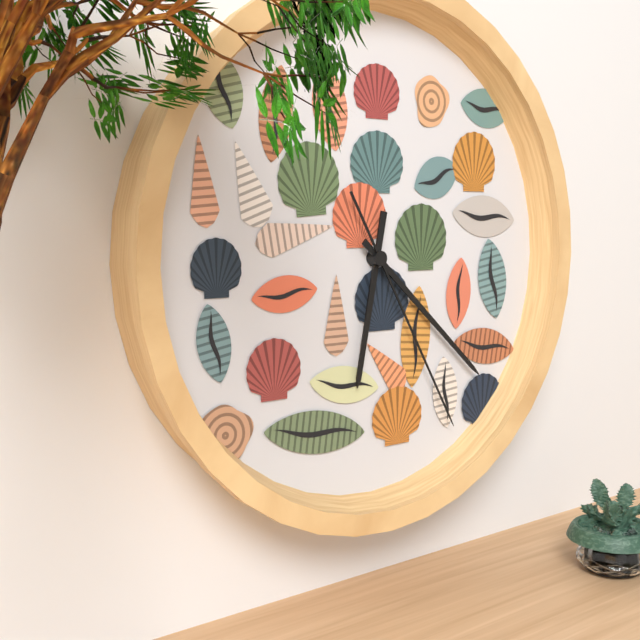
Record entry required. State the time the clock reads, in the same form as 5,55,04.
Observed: 6,22,25
